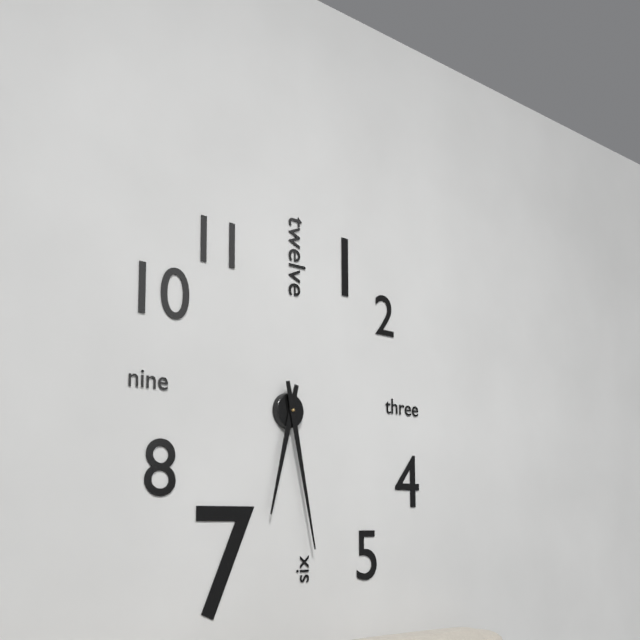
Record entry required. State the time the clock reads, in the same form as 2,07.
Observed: 6,28
